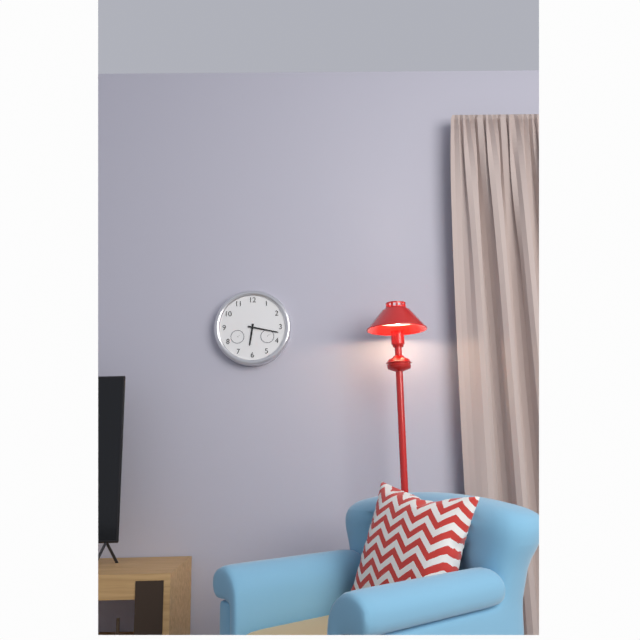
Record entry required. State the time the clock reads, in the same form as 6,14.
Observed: 6,17
